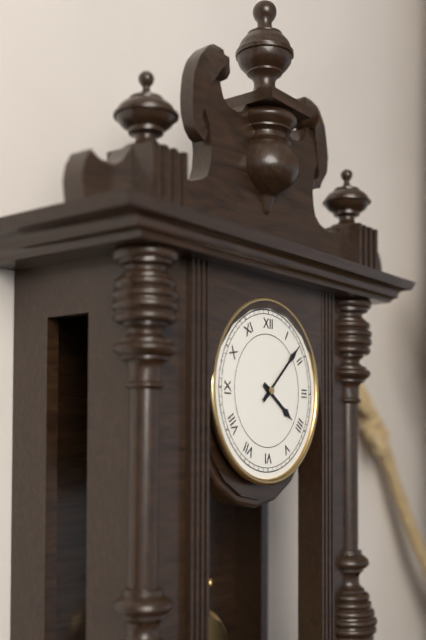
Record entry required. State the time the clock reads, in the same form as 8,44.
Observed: 4,08
